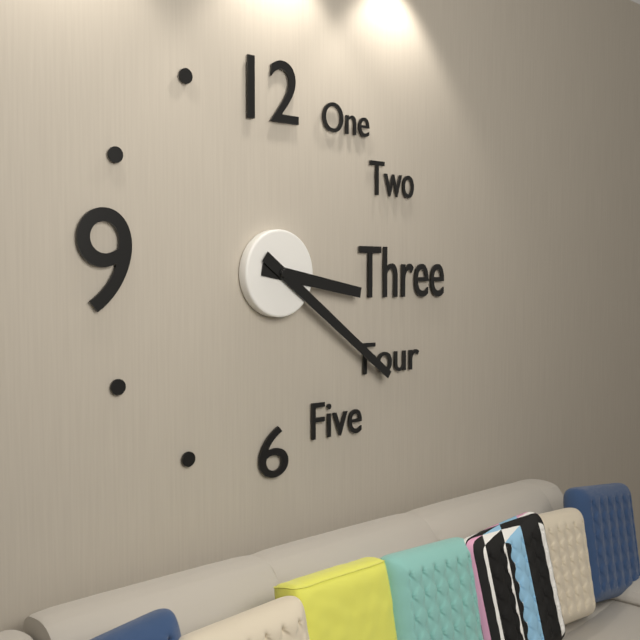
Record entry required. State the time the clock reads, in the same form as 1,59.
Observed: 3,21
